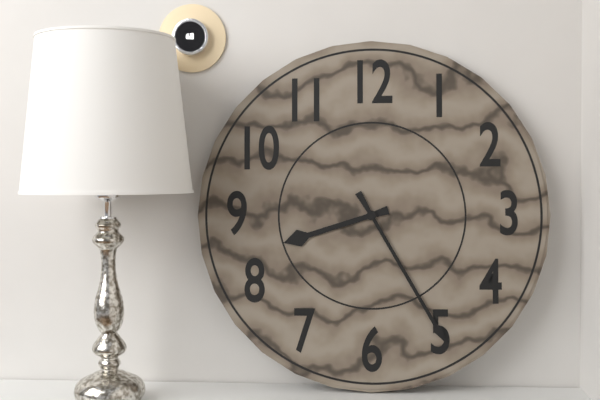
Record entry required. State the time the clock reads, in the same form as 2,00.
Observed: 8,25
